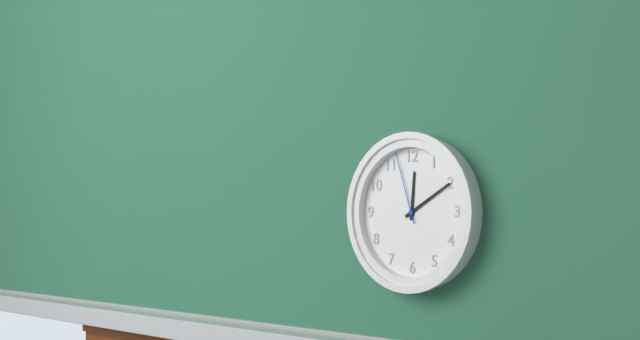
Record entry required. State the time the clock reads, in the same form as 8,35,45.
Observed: 12,10,57
